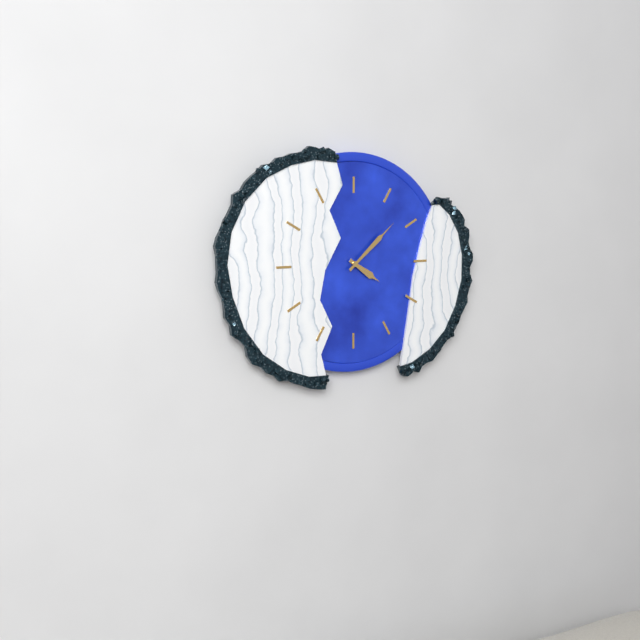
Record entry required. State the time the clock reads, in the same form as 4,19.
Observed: 4,08
